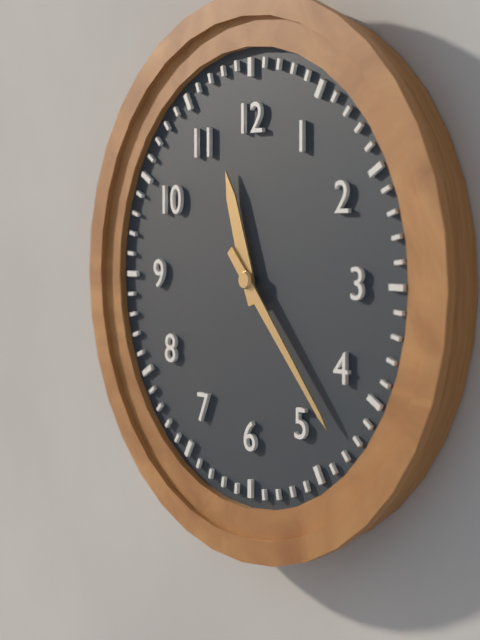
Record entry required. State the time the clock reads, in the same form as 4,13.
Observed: 11,23
